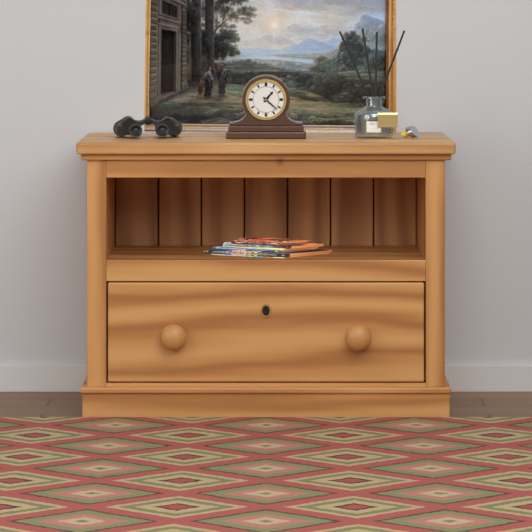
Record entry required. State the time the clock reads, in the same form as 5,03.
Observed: 1,22
